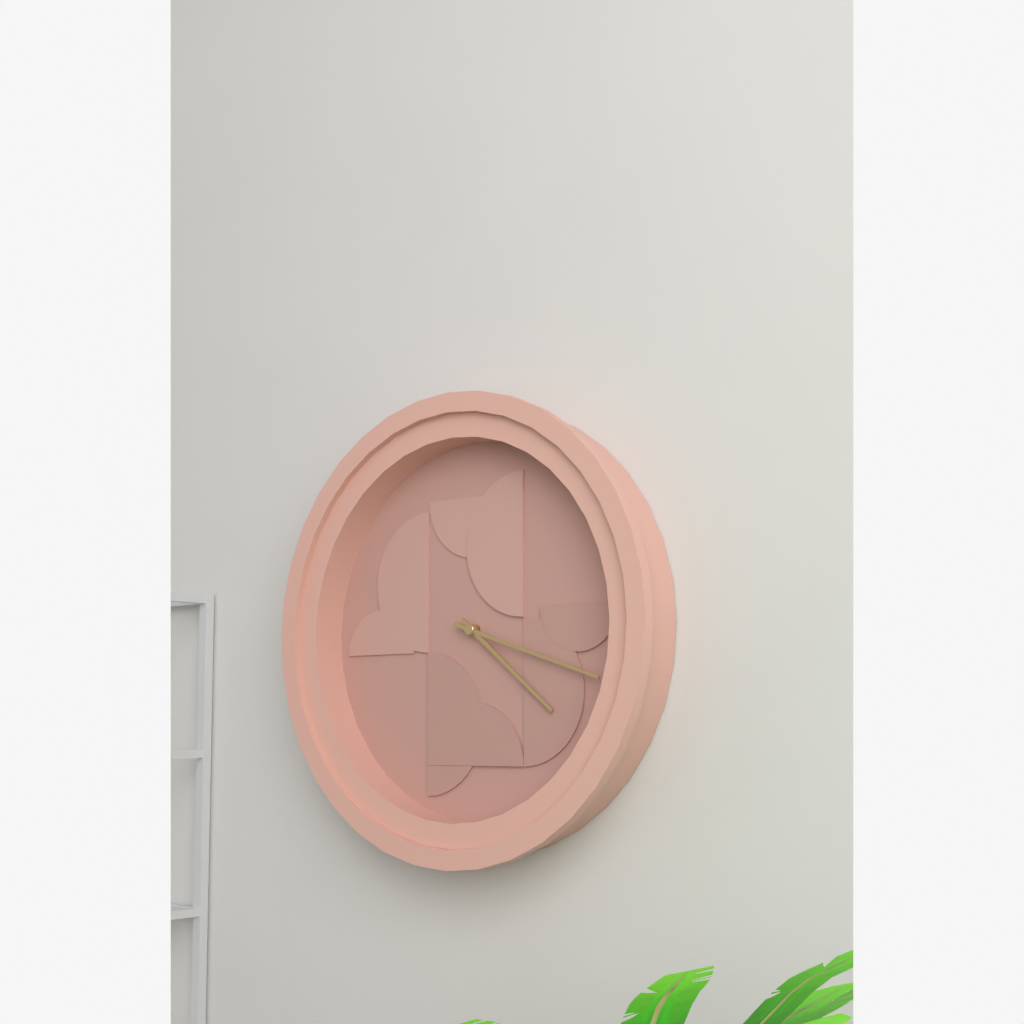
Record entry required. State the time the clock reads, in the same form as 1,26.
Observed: 4,18
